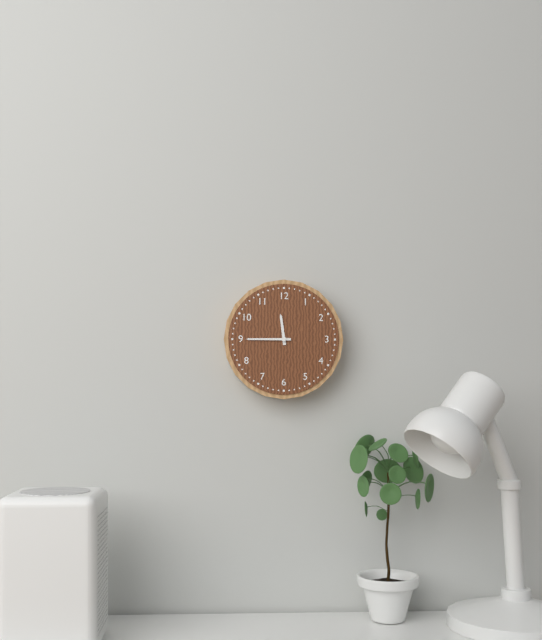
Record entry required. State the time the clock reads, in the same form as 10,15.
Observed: 11,45
